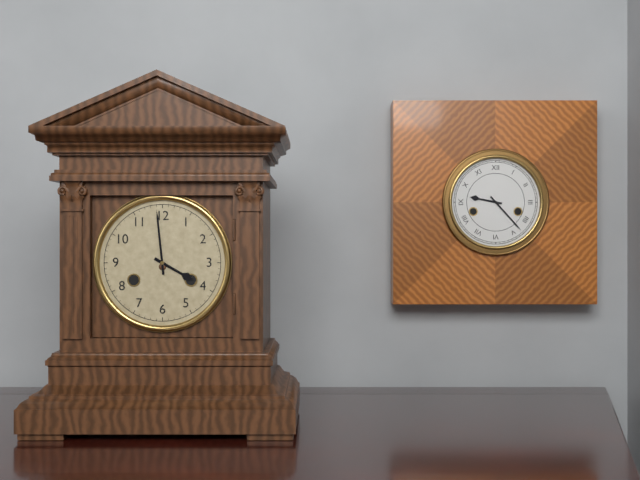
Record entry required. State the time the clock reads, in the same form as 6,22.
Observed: 3,59
